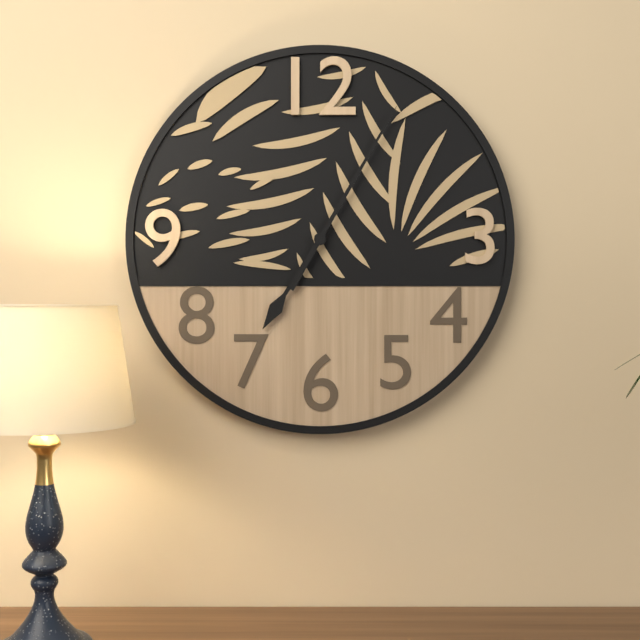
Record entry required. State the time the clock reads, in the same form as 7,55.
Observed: 7,05
